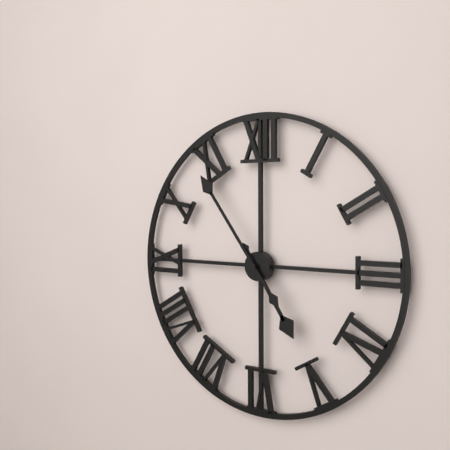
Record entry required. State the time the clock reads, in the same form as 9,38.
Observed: 4,54
